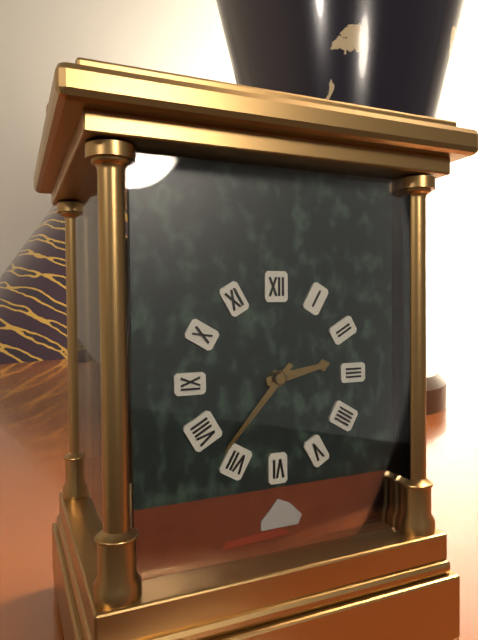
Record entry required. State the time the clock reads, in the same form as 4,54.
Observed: 2,37
